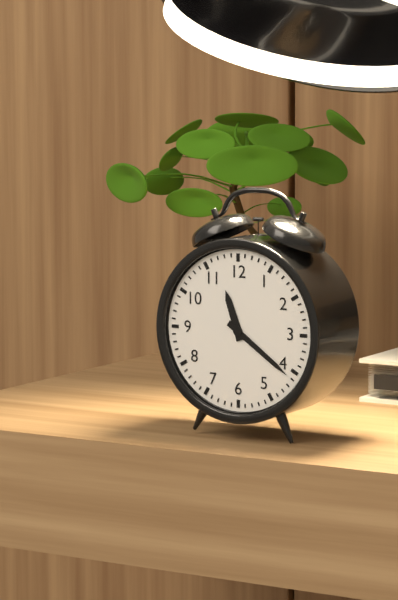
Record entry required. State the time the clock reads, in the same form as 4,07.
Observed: 11,21
